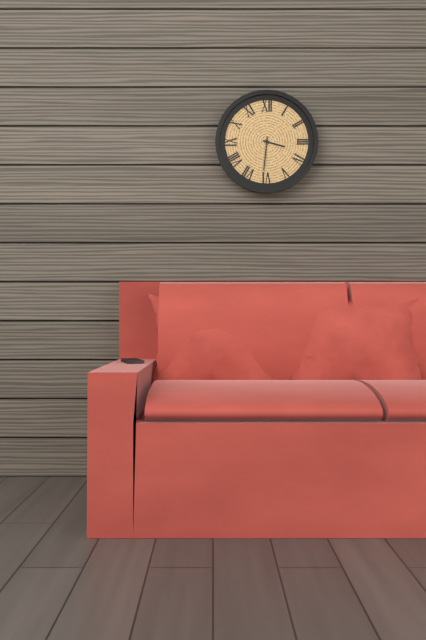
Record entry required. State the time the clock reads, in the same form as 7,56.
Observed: 3,31
